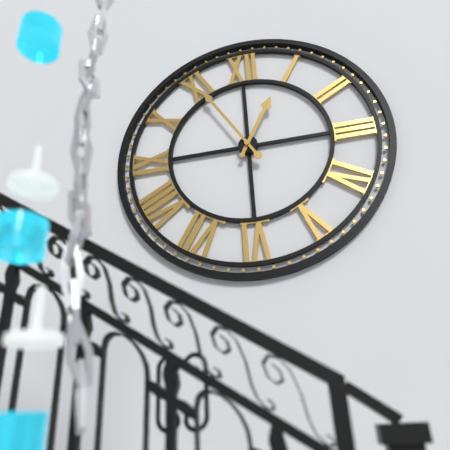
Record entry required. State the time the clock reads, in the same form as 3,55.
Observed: 12,55
